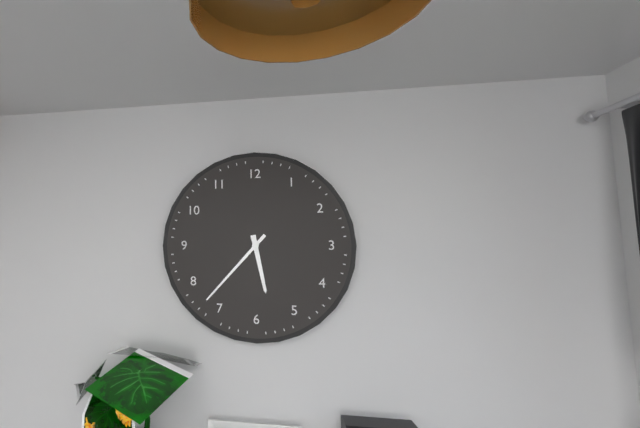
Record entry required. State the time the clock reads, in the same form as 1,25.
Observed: 5,37
